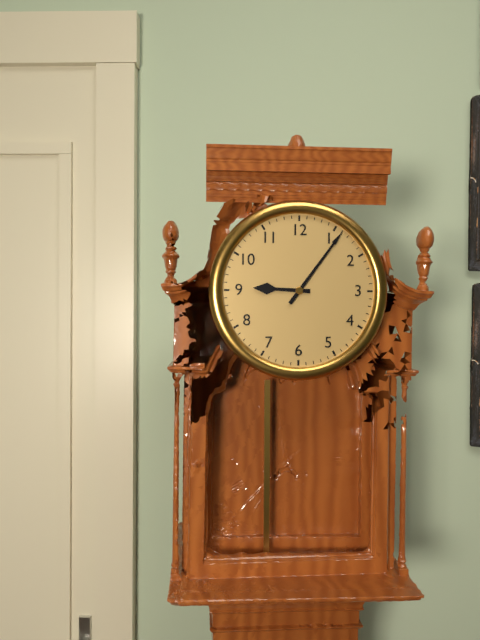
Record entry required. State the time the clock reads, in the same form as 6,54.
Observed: 9,06
